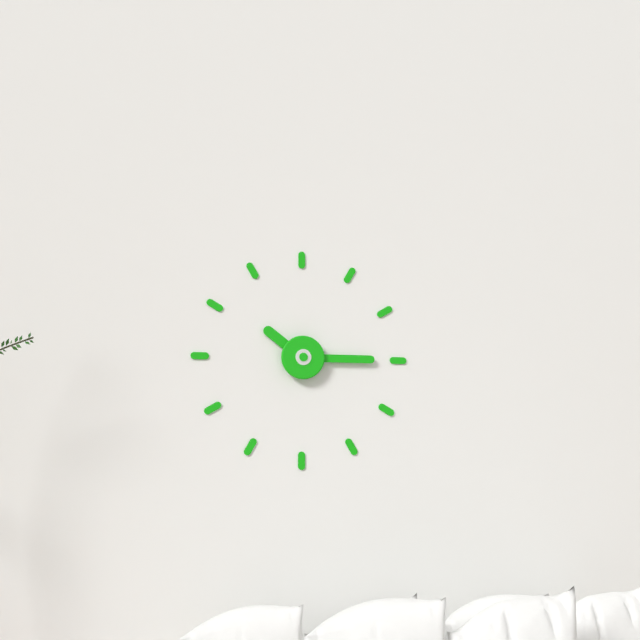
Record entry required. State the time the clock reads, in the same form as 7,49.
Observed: 10,15
